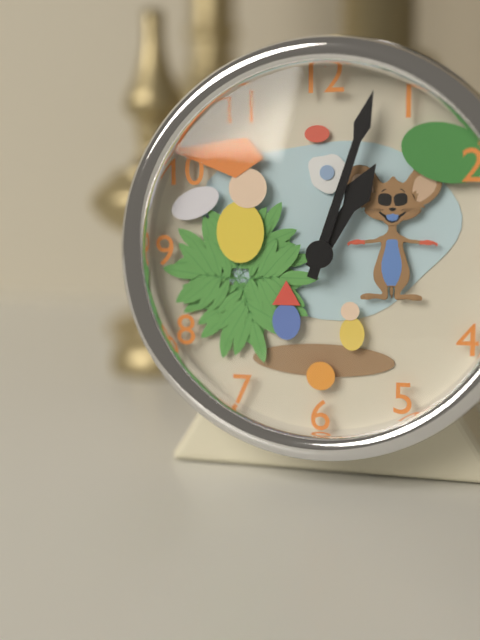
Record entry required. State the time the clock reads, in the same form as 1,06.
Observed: 1,03
